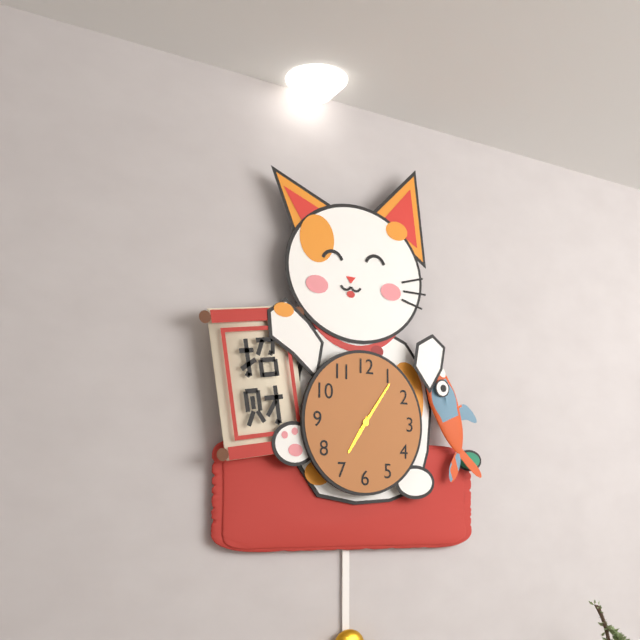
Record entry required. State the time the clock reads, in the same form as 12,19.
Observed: 7,06
